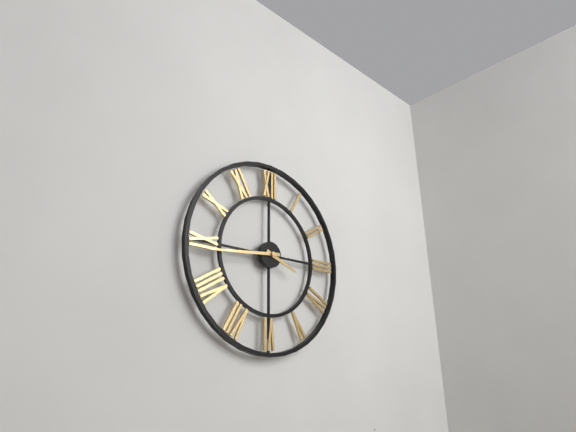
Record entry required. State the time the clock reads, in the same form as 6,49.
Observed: 3,44
